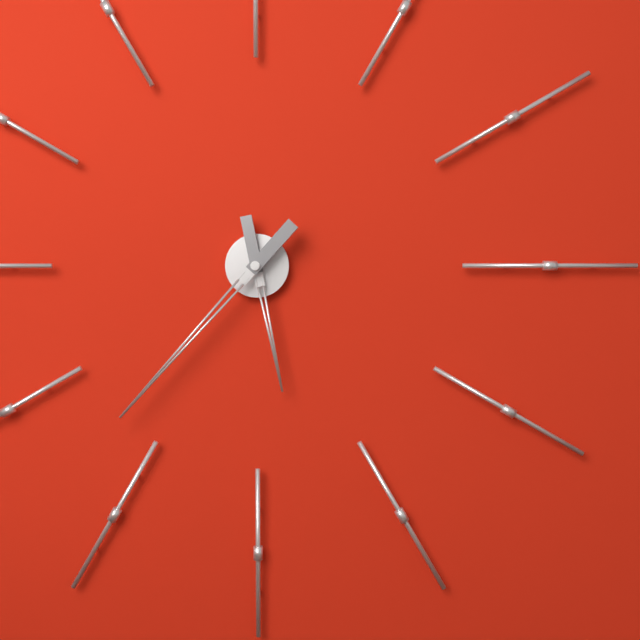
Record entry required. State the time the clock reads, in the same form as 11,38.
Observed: 5,37
